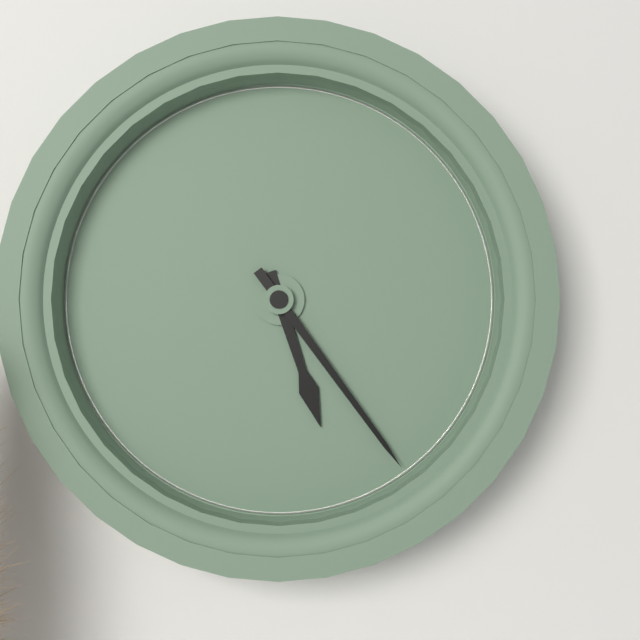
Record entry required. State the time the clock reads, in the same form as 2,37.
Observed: 5,24
